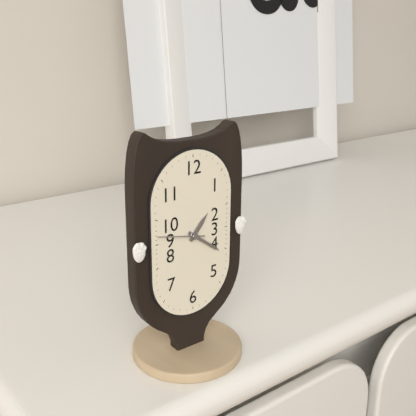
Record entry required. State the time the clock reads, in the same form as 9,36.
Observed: 1,21
